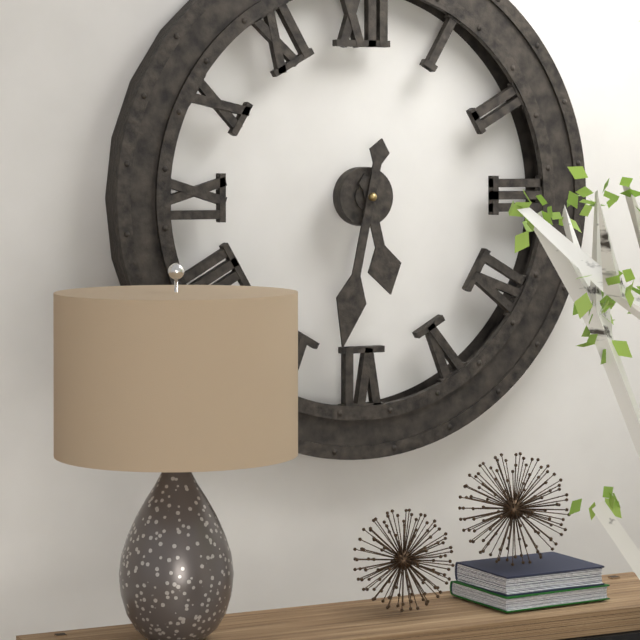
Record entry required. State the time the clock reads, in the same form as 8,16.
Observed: 5,32
